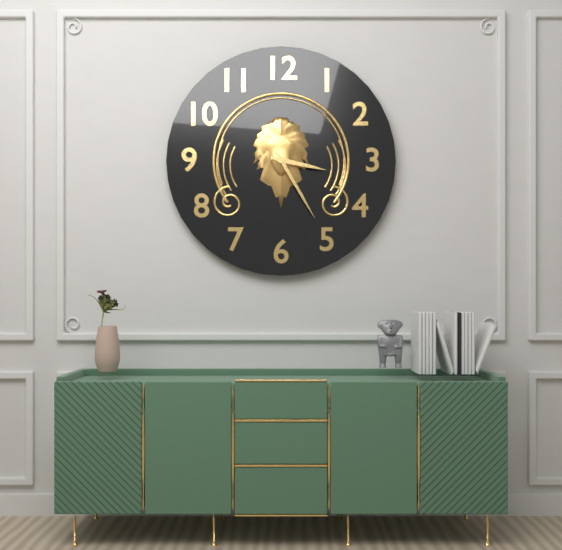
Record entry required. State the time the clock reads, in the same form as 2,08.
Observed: 3,25
